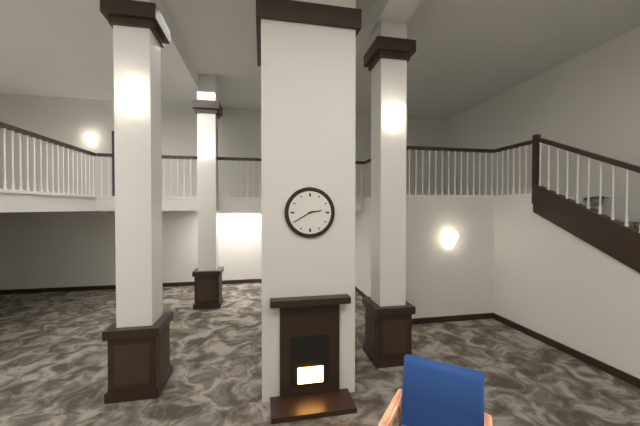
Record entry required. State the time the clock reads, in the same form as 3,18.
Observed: 2,40
